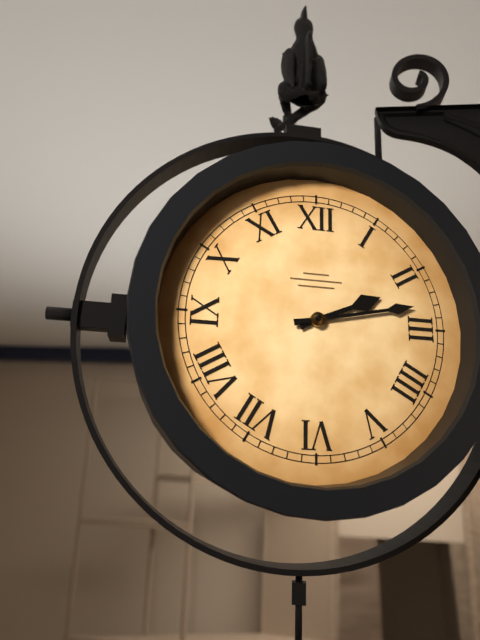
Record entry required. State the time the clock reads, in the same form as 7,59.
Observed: 2,13
